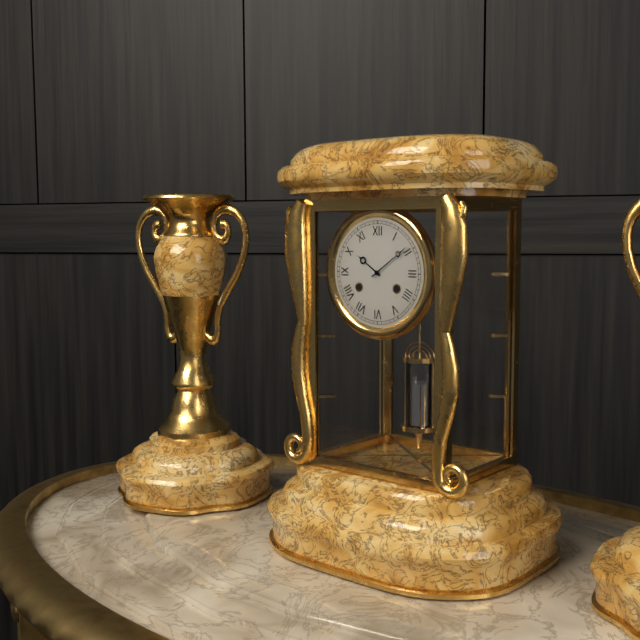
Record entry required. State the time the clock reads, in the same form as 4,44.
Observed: 10,09
